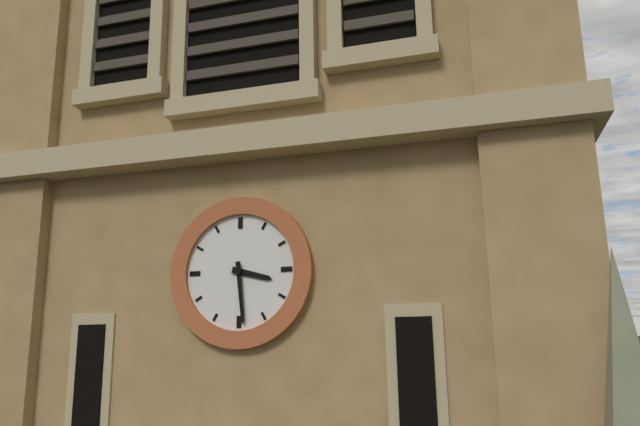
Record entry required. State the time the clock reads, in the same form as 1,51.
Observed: 3,29
